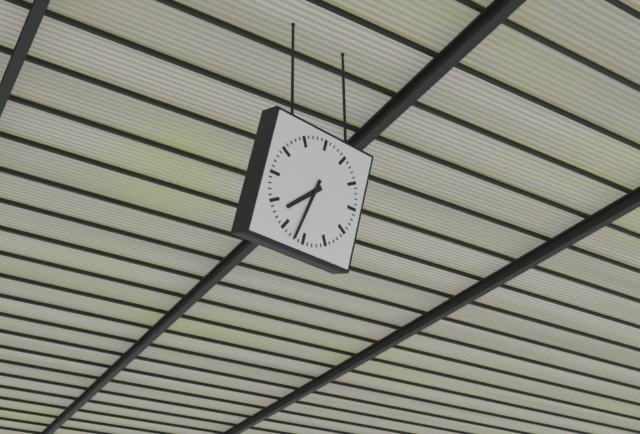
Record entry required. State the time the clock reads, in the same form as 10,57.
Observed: 7,32
